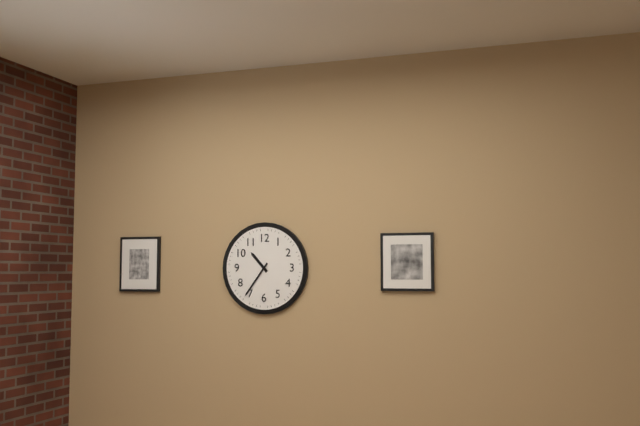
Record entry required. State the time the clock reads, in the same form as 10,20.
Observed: 10,36
